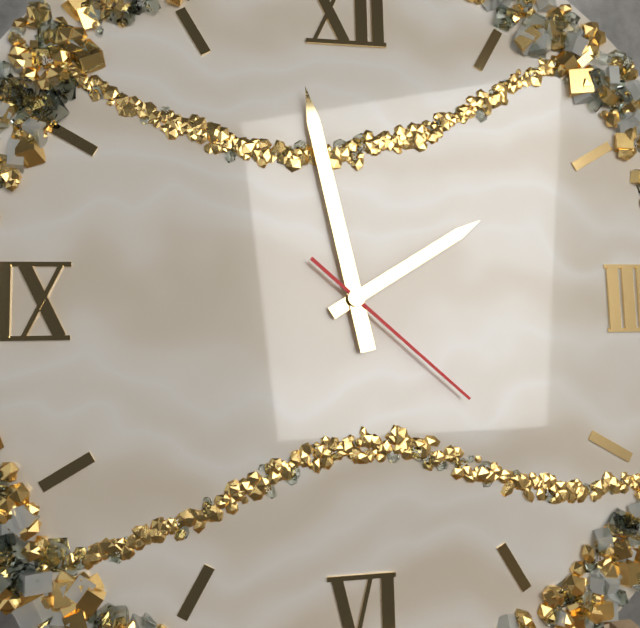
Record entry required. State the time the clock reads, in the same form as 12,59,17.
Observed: 1,58,22
